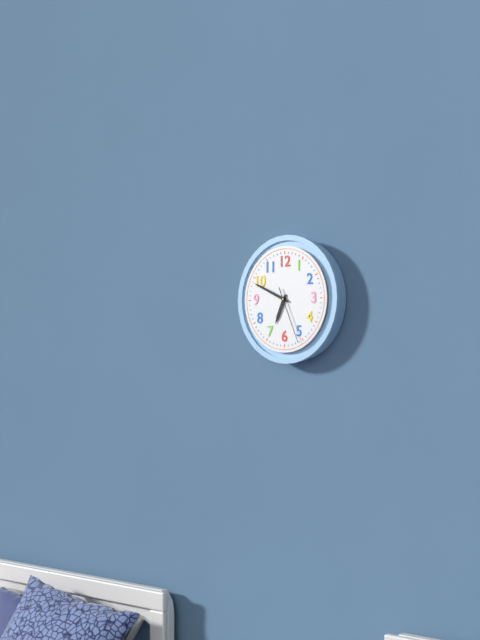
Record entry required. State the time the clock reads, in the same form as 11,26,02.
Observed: 6,49,26
